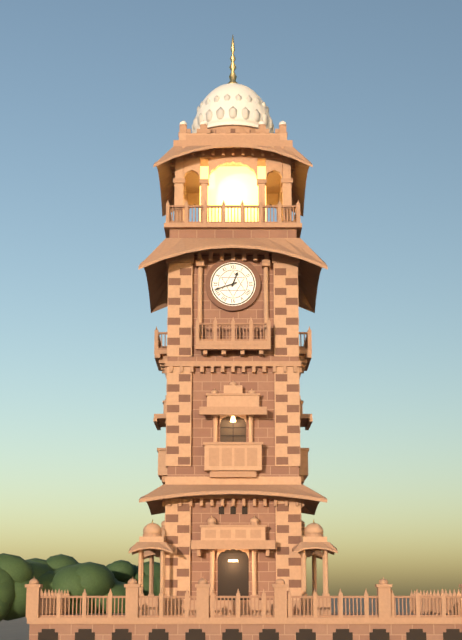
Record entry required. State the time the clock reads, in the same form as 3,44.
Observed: 12,42
